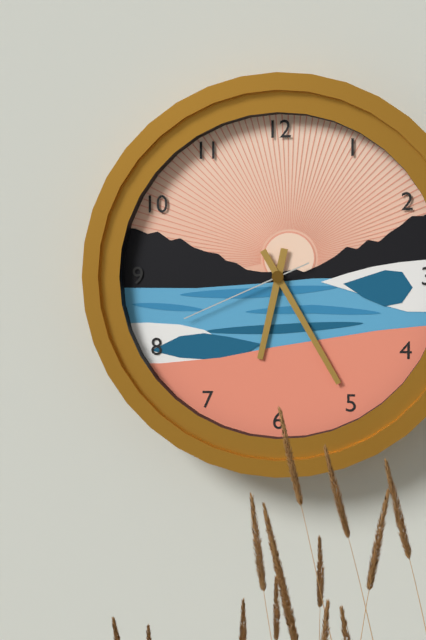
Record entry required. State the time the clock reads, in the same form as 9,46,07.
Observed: 6,25,41
